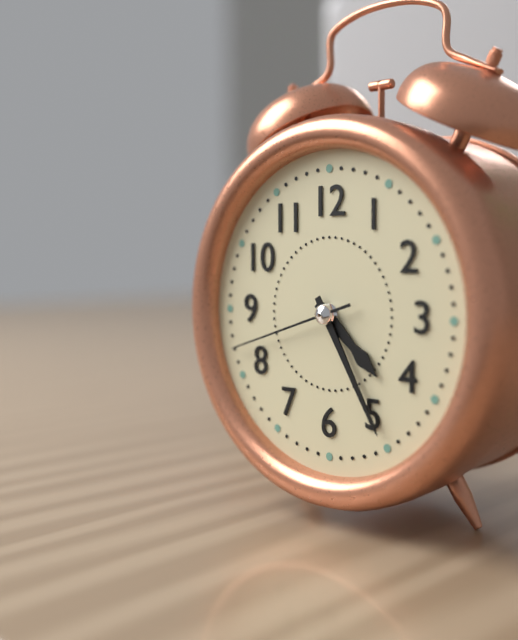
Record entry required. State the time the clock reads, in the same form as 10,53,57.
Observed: 4,25,42
